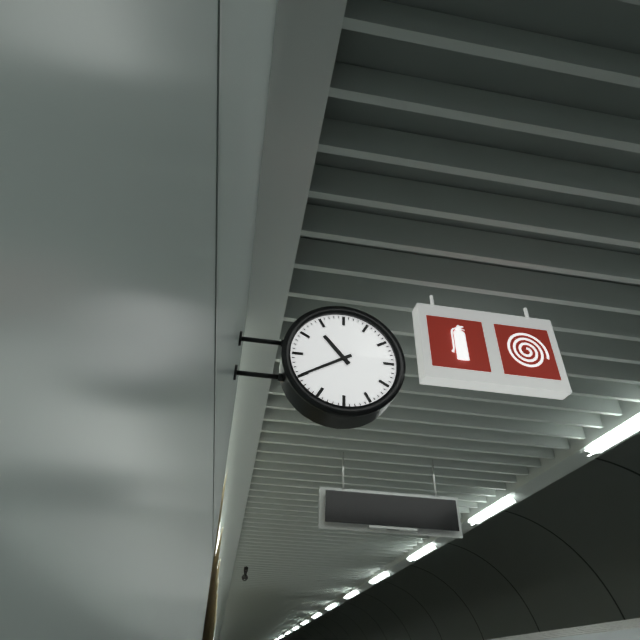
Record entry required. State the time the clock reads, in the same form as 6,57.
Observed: 10,40
